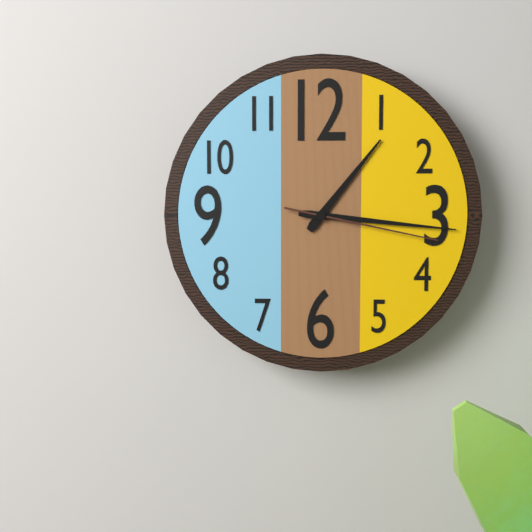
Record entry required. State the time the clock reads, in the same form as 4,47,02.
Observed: 1,16,17
